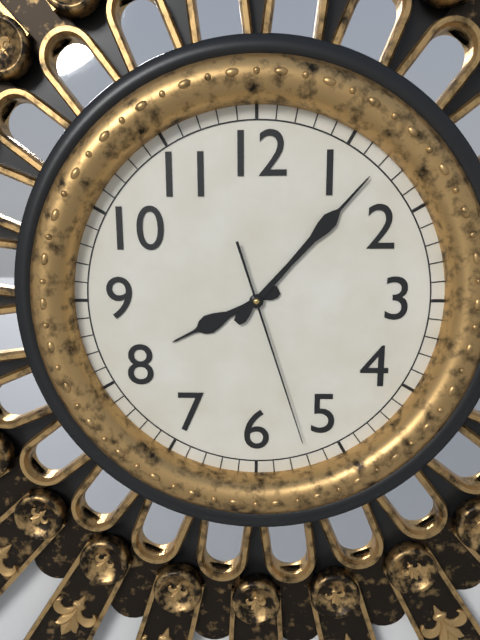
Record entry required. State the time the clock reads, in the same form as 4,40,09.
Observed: 8,07,27
